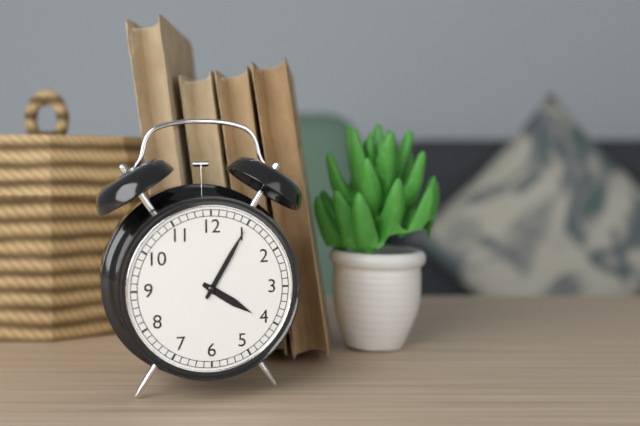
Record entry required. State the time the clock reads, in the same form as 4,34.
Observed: 4,05
